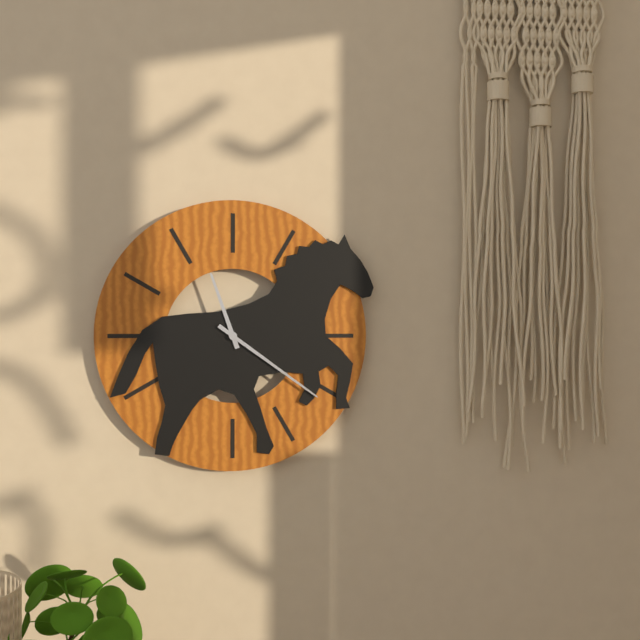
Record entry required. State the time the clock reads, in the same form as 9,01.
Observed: 11,21
